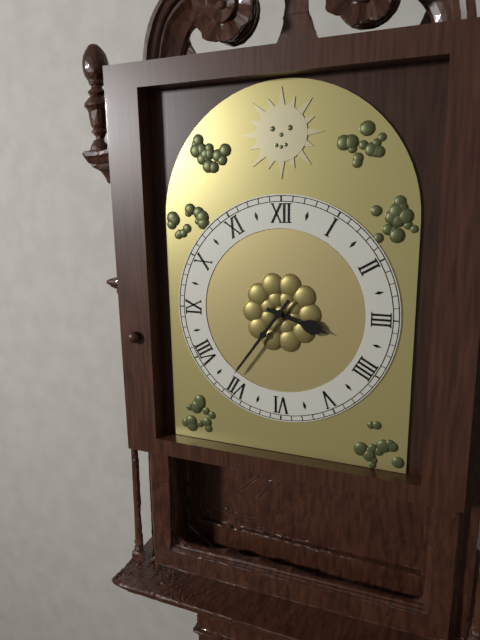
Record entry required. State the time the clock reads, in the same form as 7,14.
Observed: 3,36
